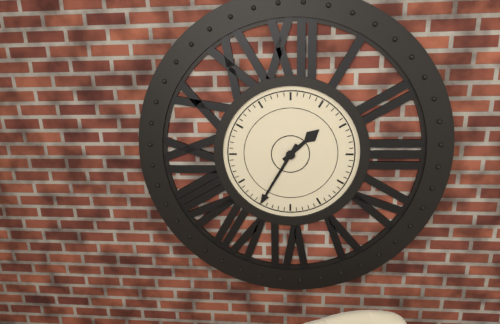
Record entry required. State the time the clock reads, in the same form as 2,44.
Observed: 1,35
